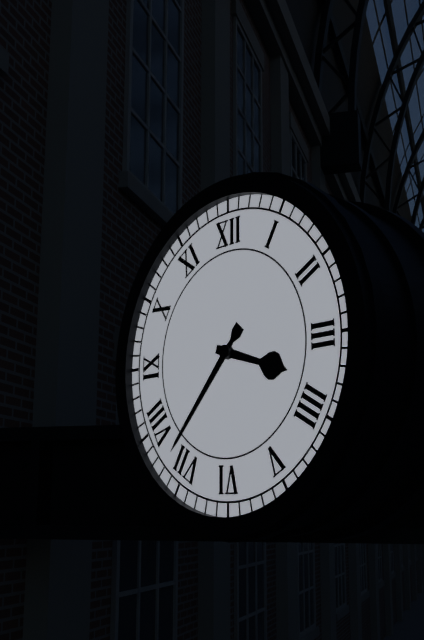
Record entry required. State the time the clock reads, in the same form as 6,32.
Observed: 3,37
